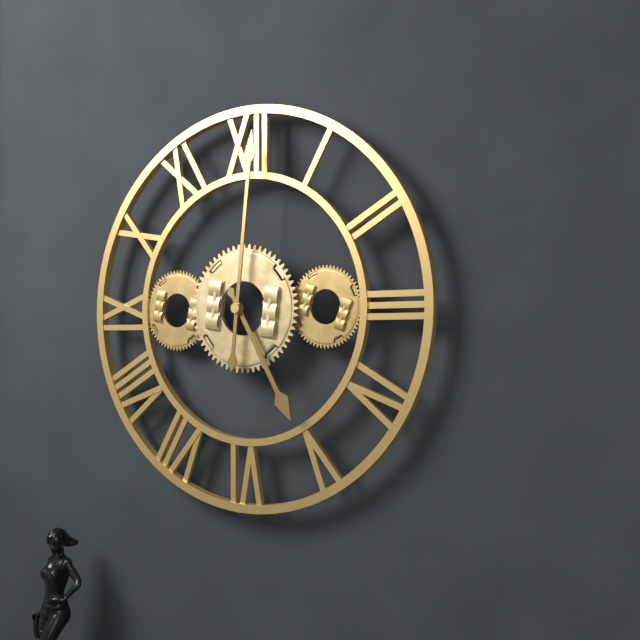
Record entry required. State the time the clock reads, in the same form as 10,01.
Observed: 5,01
